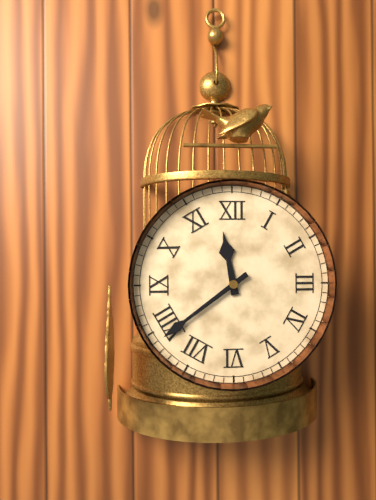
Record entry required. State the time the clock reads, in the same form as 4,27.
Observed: 11,39
